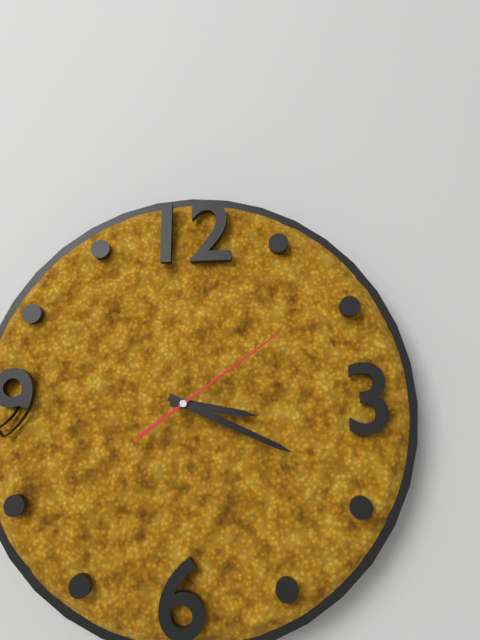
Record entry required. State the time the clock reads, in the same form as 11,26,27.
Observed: 3,19,09
